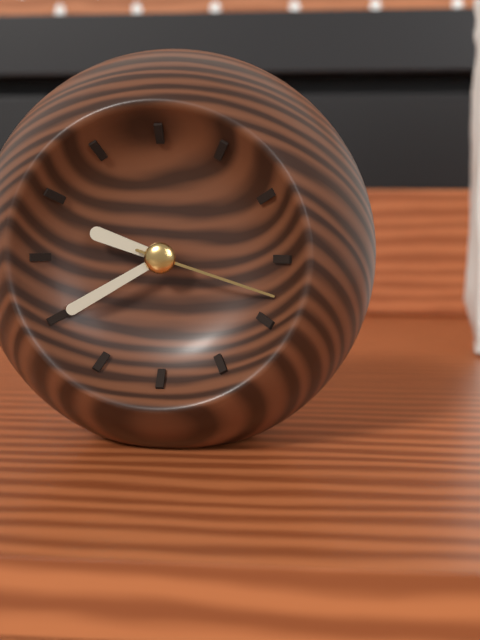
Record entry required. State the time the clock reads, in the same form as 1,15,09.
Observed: 9,40,18
